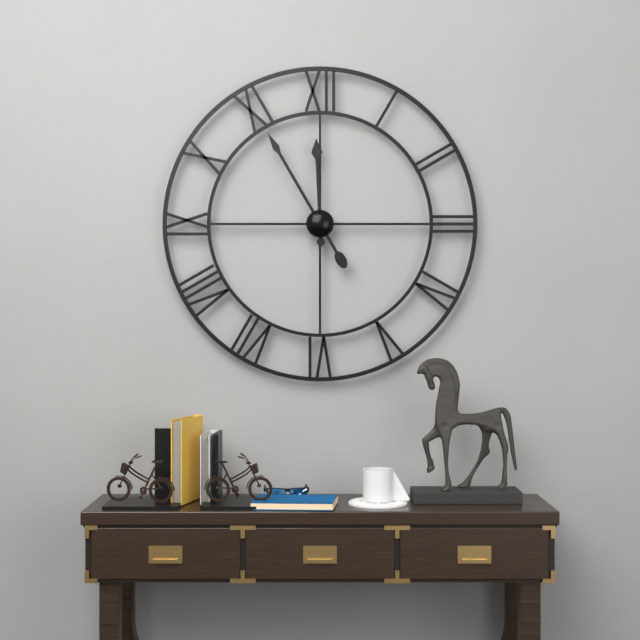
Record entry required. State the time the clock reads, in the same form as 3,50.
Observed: 11,55
